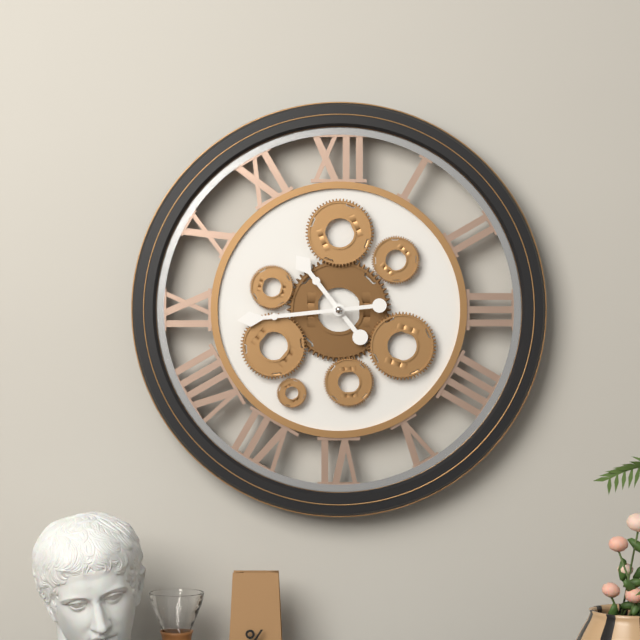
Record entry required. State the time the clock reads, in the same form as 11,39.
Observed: 10,44
